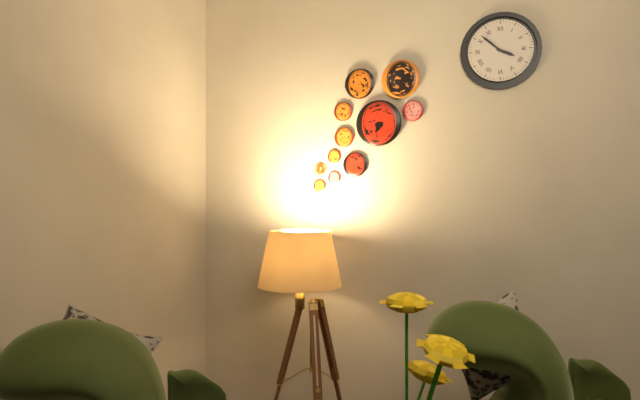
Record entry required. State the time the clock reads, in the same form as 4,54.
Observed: 3,52
